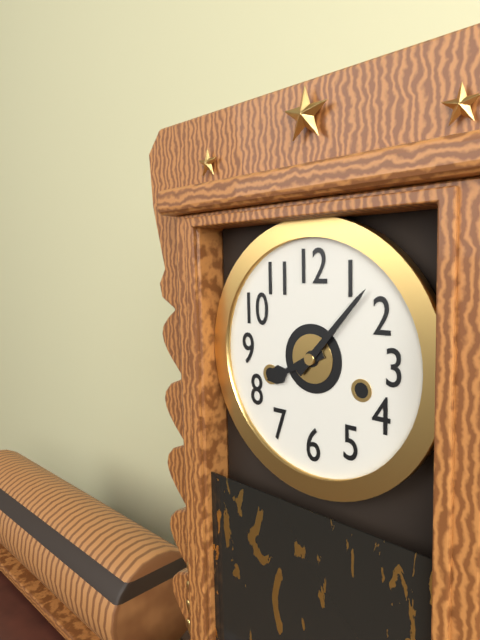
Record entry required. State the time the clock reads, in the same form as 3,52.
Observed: 8,07
